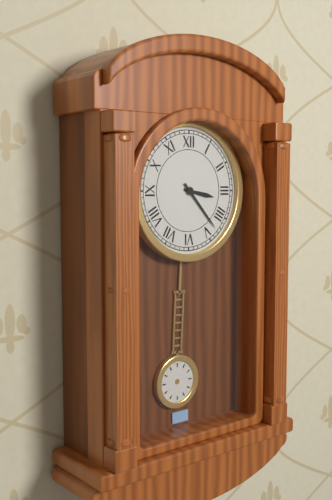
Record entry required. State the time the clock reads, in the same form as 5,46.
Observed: 3,23
